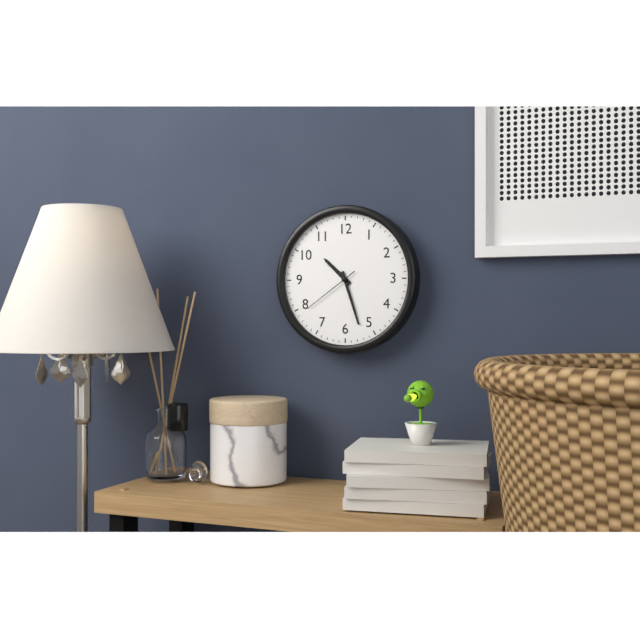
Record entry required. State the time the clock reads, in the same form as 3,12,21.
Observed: 10,27,39
